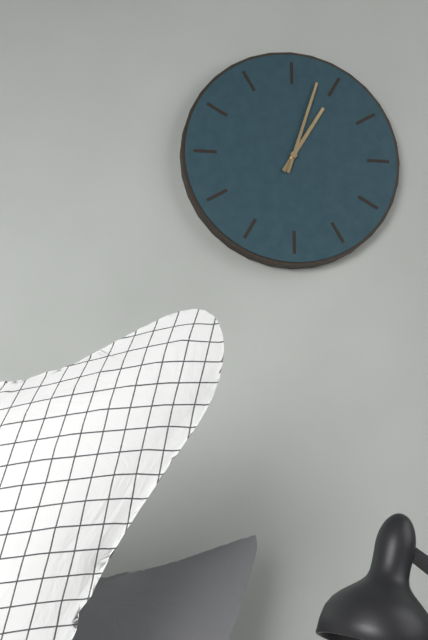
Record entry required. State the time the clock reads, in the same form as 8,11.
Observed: 1,03
